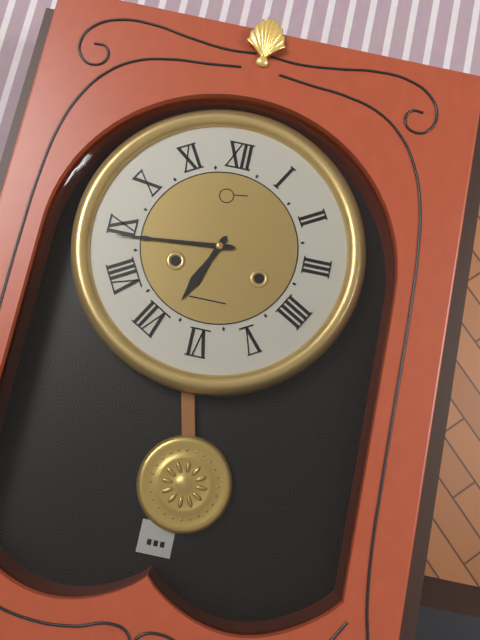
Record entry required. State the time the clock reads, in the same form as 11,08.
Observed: 6,44
